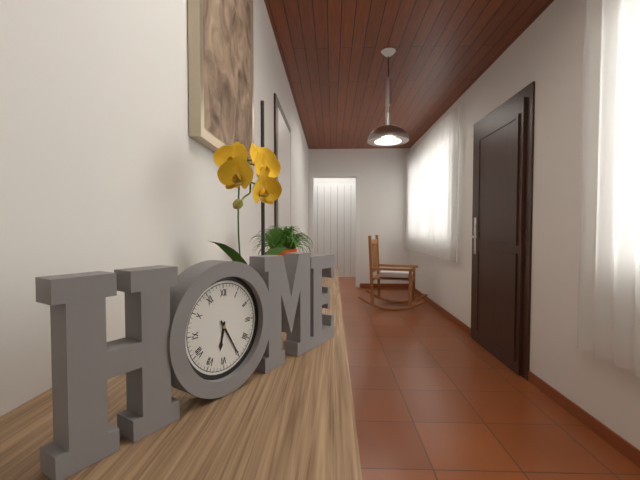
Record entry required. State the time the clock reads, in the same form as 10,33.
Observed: 6,25
